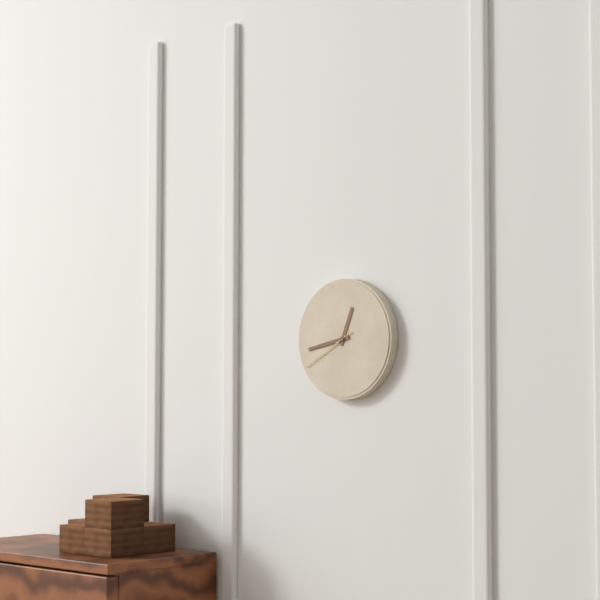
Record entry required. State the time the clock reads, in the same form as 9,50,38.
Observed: 12,43,40
